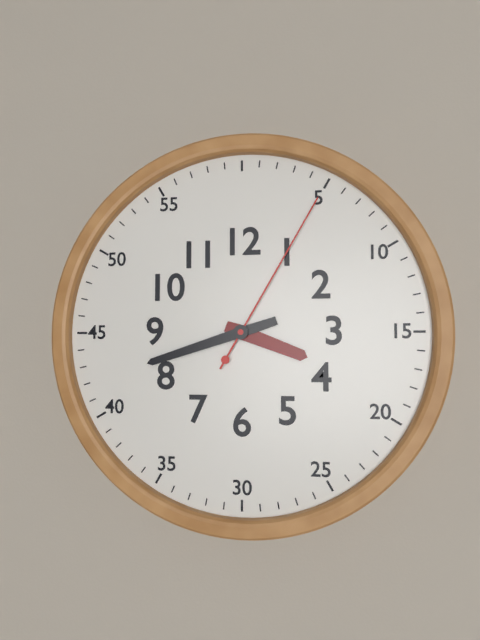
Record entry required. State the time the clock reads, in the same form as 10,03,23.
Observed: 3,42,05
